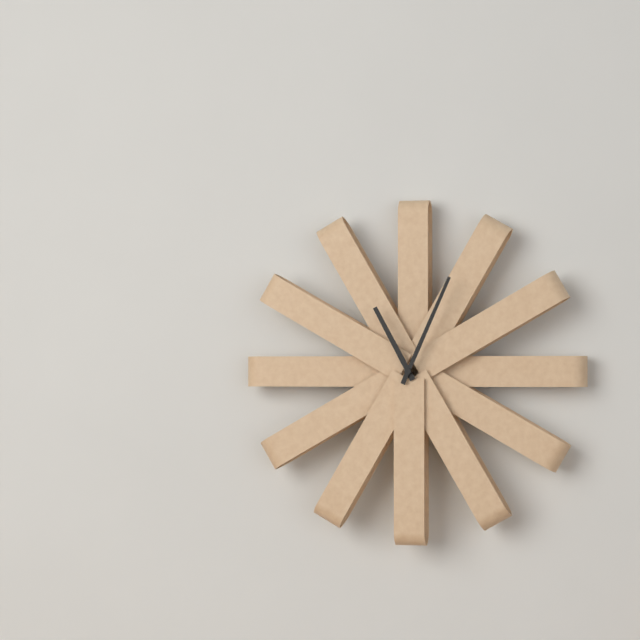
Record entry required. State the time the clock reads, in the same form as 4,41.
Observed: 11,04
